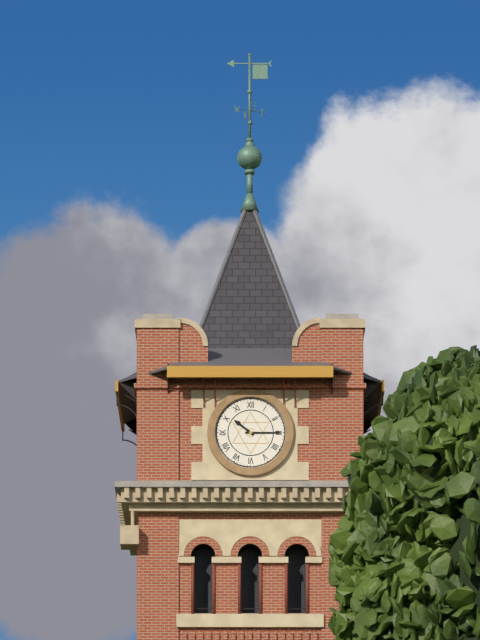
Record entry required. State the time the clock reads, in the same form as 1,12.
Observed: 10,15
